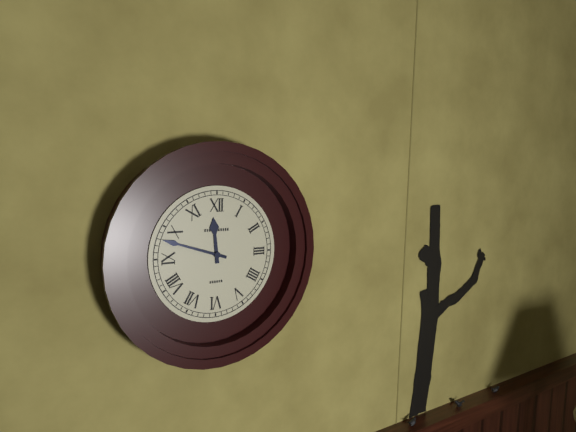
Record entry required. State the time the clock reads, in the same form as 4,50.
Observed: 11,48
